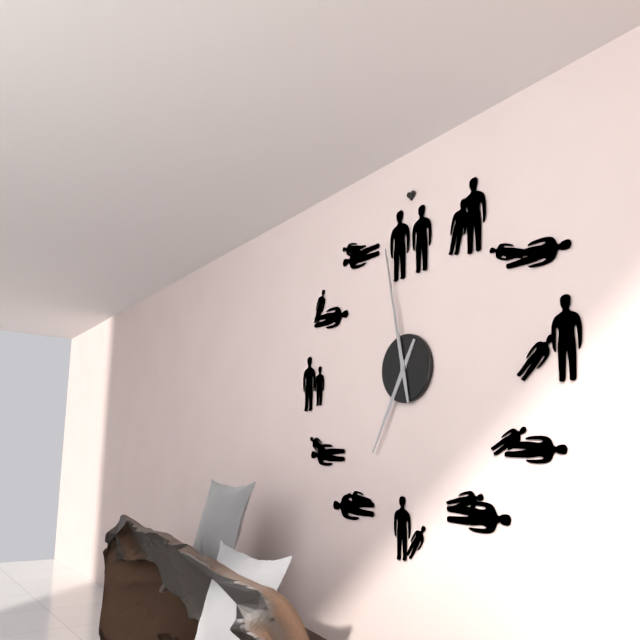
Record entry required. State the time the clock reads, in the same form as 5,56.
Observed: 6,58
